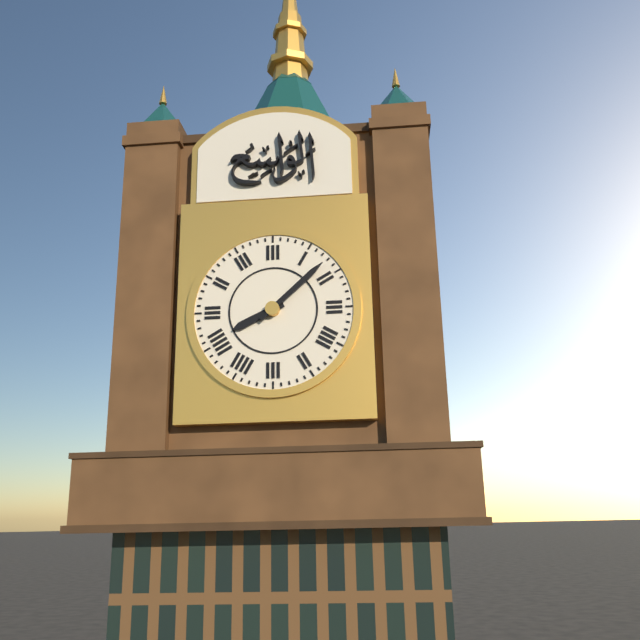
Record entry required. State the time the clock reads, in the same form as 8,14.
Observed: 8,08
